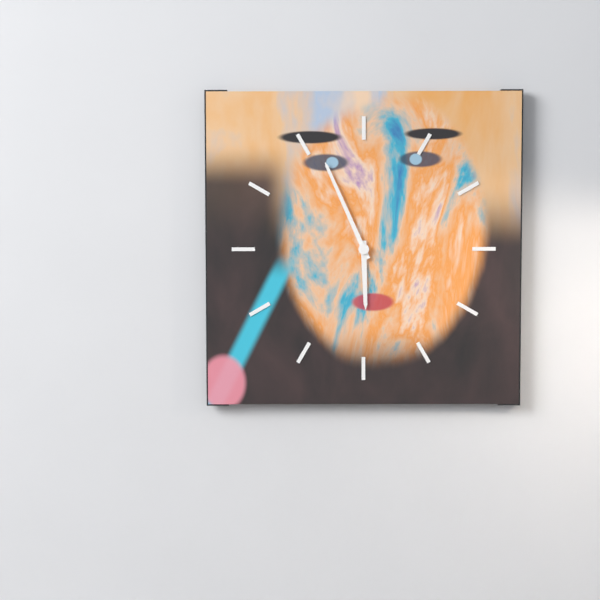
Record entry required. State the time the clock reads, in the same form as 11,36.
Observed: 5,56
